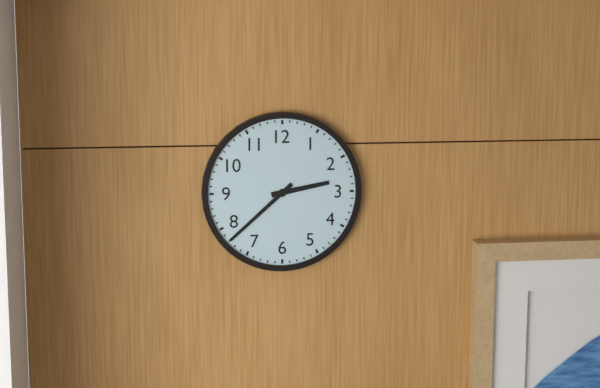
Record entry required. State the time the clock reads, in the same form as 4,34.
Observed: 2,38
